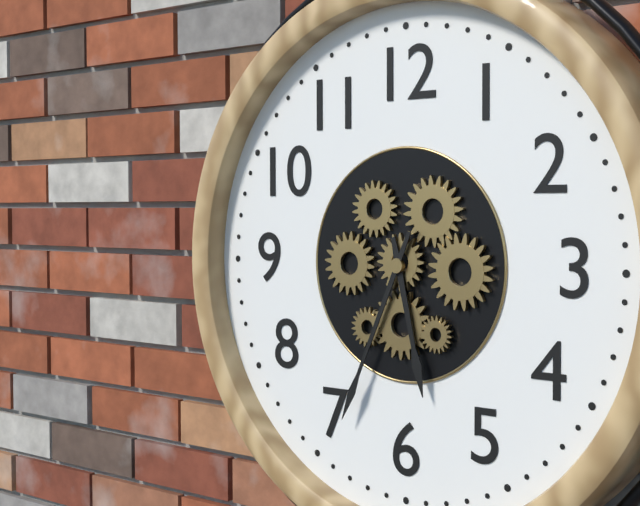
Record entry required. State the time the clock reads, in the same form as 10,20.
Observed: 5,34
